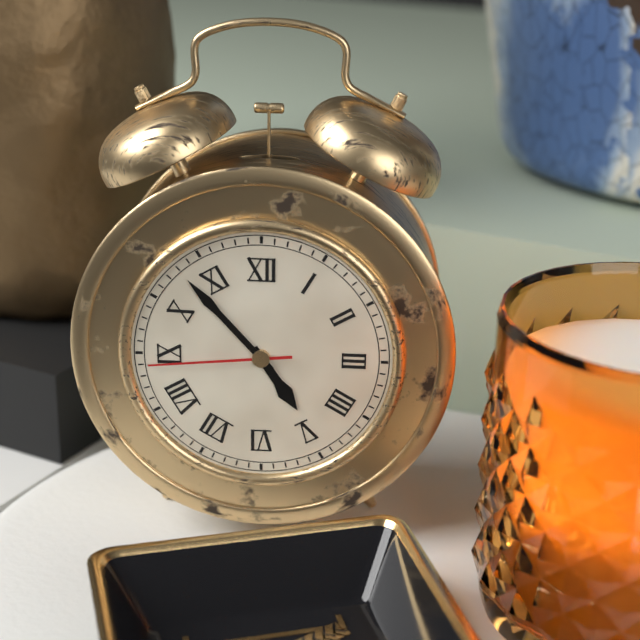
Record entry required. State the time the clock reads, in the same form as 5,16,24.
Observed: 4,53,44
